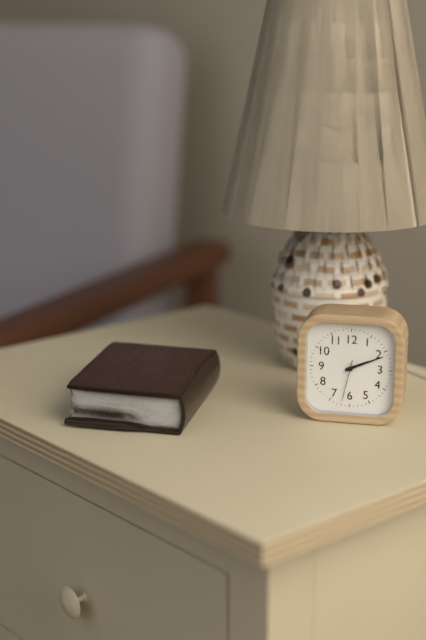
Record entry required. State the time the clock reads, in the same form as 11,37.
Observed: 2,11
